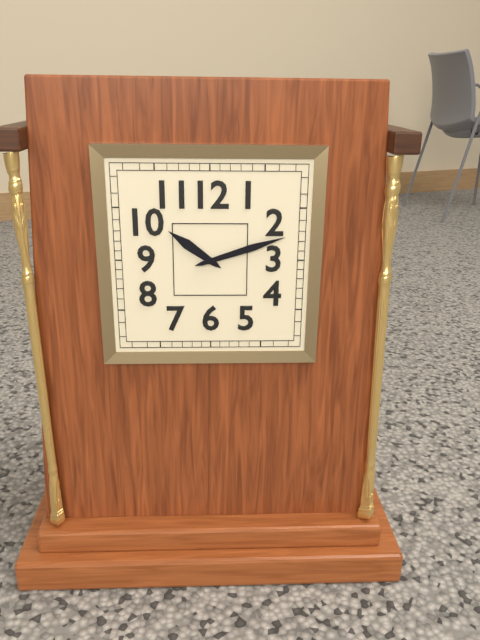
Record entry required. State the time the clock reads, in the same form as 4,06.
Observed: 10,12
